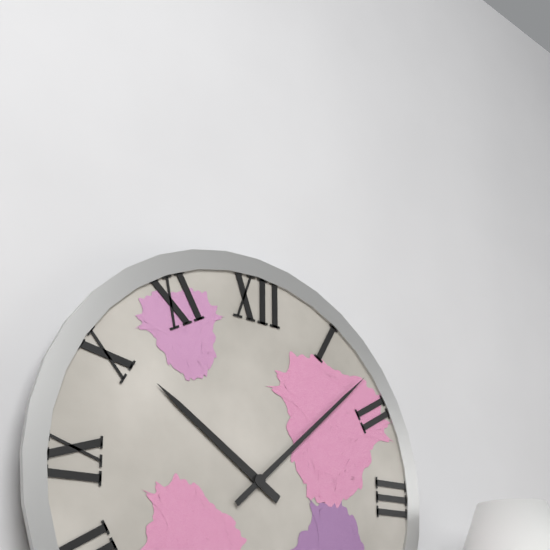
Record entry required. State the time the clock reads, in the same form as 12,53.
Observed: 10,08
